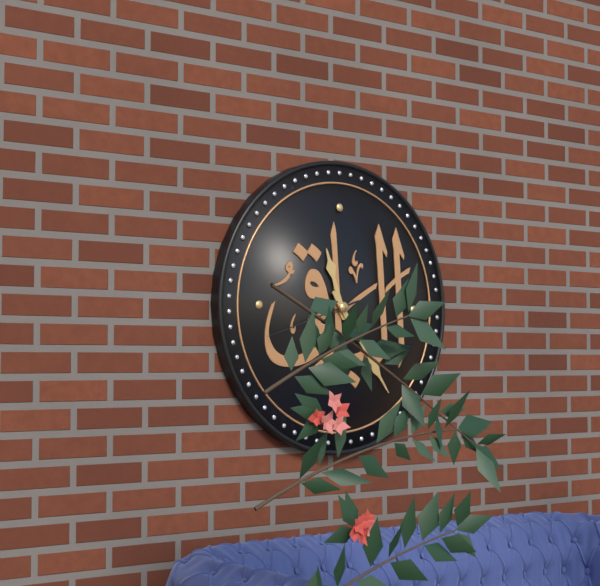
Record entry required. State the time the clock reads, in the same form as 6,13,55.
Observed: 11,24,42
